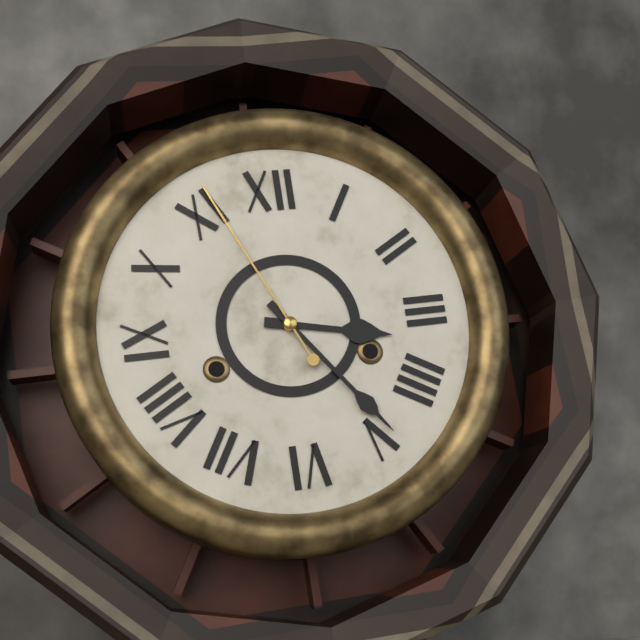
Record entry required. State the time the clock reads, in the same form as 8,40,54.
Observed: 3,24,56
